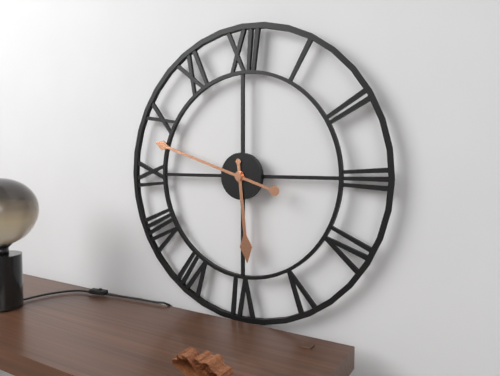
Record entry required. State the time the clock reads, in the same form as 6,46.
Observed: 5,48
